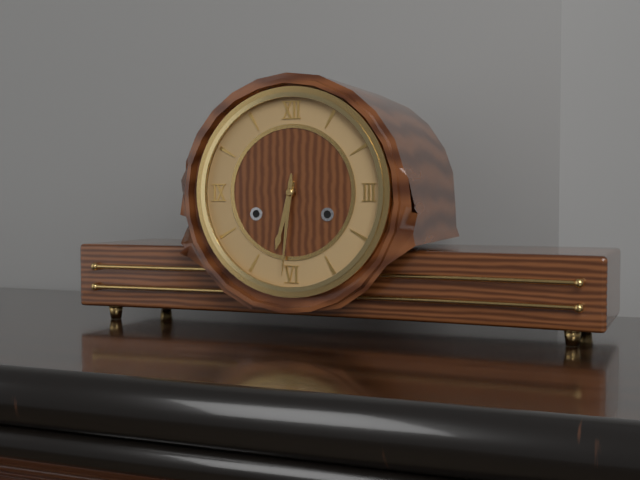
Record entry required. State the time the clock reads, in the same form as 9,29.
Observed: 6,31
